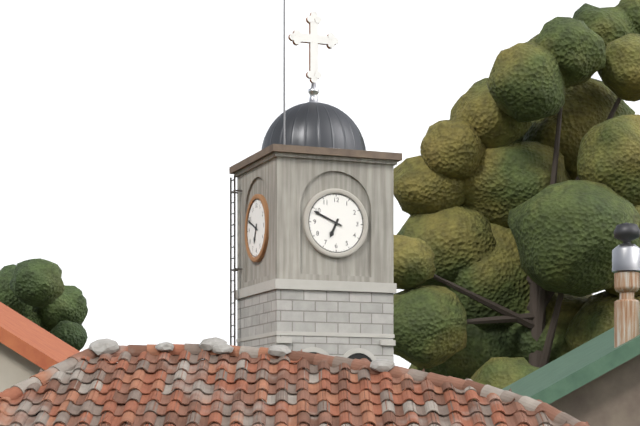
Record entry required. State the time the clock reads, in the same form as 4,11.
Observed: 6,49
